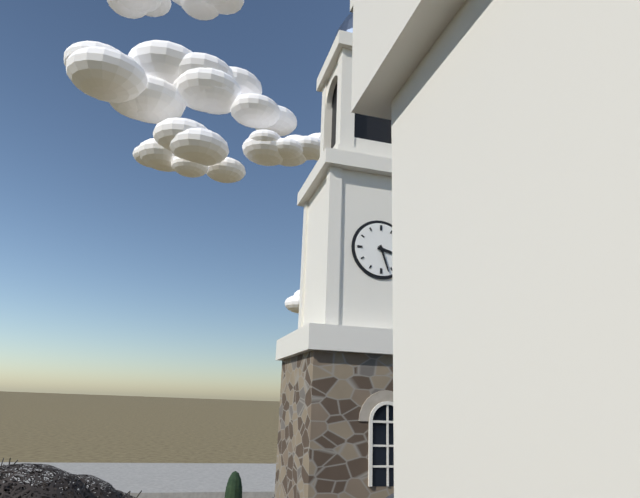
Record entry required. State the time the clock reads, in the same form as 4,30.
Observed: 3,27
